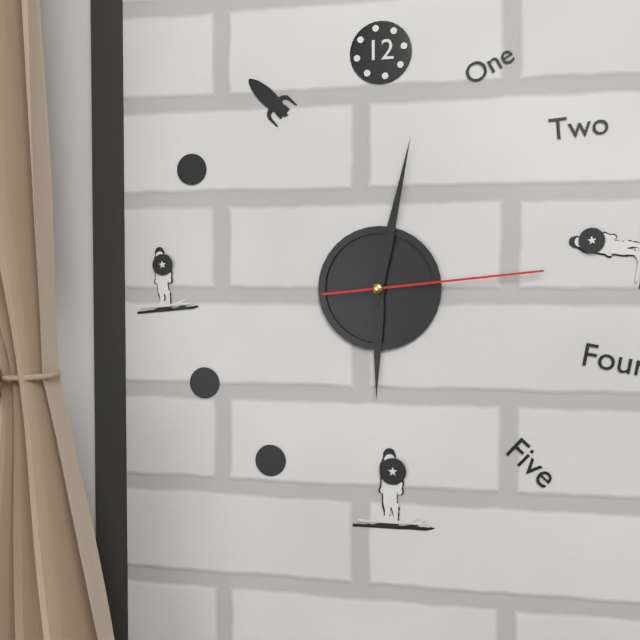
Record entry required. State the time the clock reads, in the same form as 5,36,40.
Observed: 6,02,14
